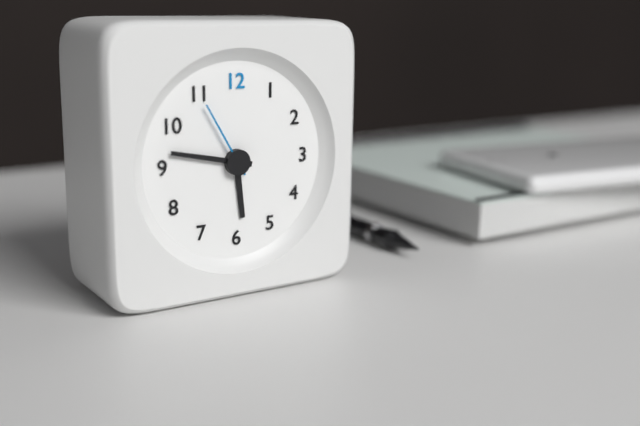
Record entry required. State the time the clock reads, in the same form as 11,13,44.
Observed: 5,47,55
